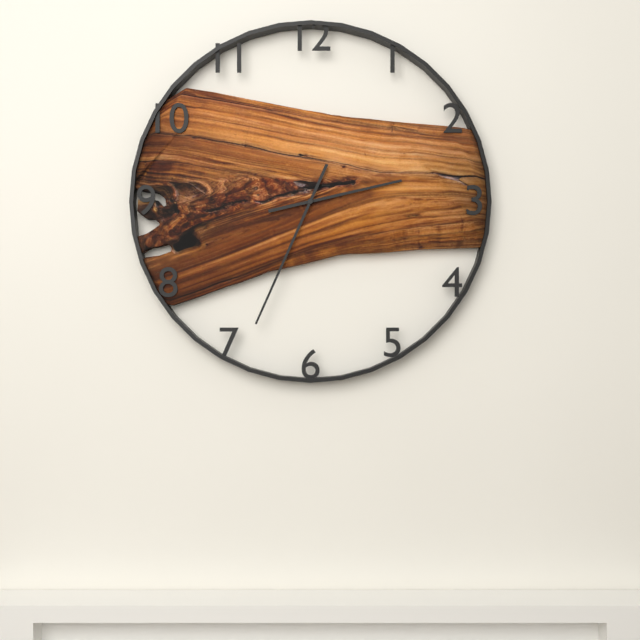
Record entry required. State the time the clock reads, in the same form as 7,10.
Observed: 2,34
